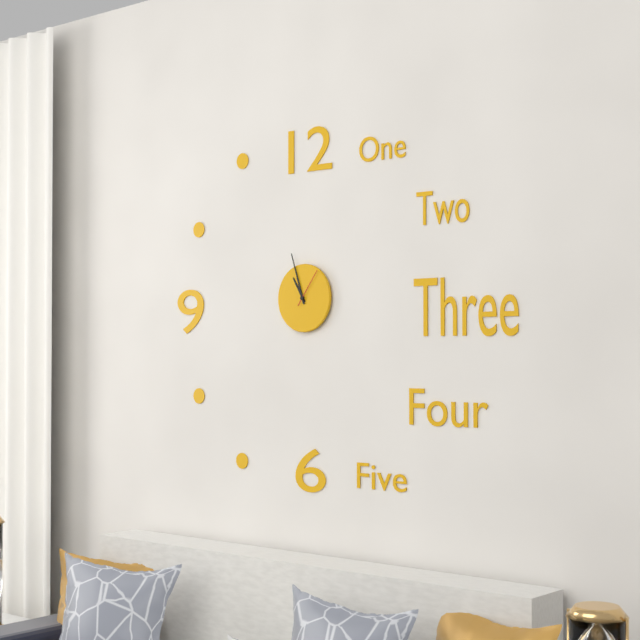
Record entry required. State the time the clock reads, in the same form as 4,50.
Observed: 10,57
